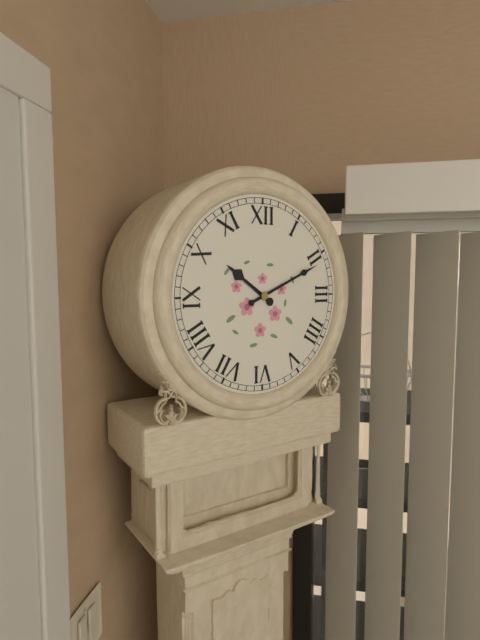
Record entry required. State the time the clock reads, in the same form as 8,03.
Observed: 10,11
